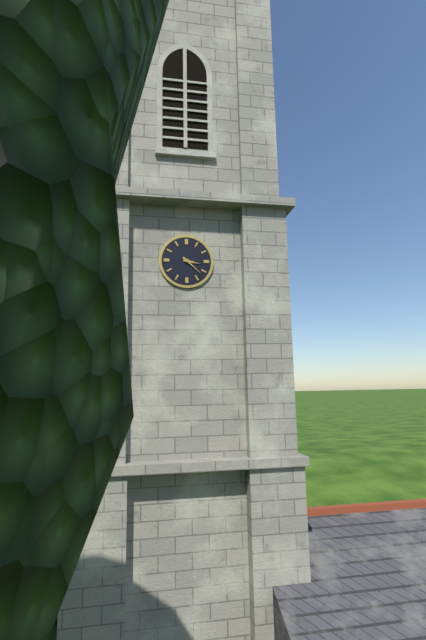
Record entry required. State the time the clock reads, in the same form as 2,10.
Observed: 3,22
